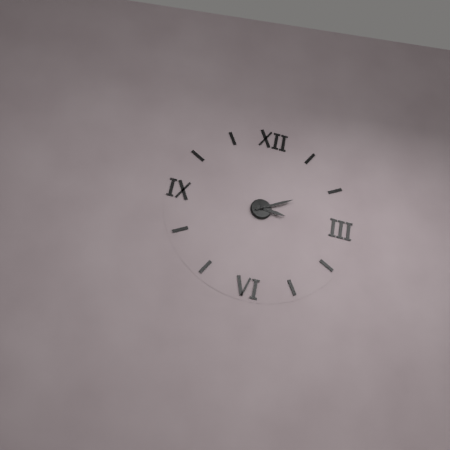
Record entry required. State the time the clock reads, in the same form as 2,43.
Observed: 3,10
